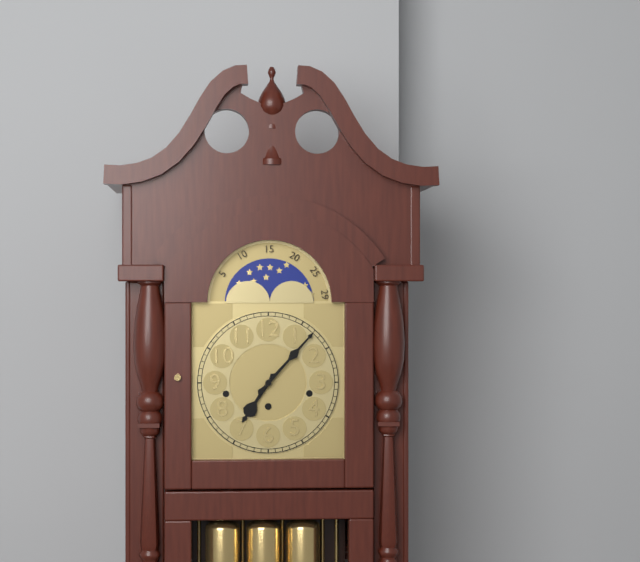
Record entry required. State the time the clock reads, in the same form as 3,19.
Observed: 7,07
